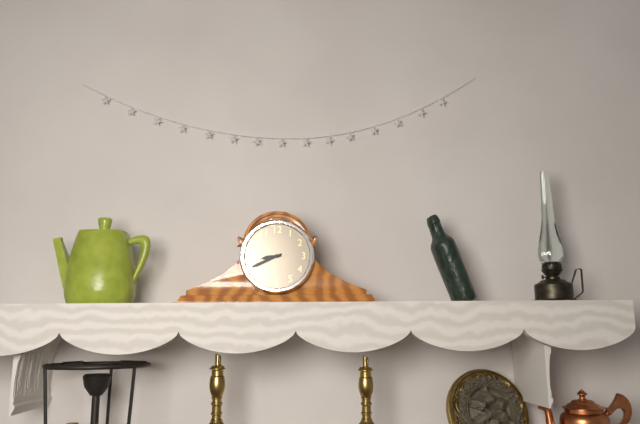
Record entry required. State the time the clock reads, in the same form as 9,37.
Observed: 8,41
